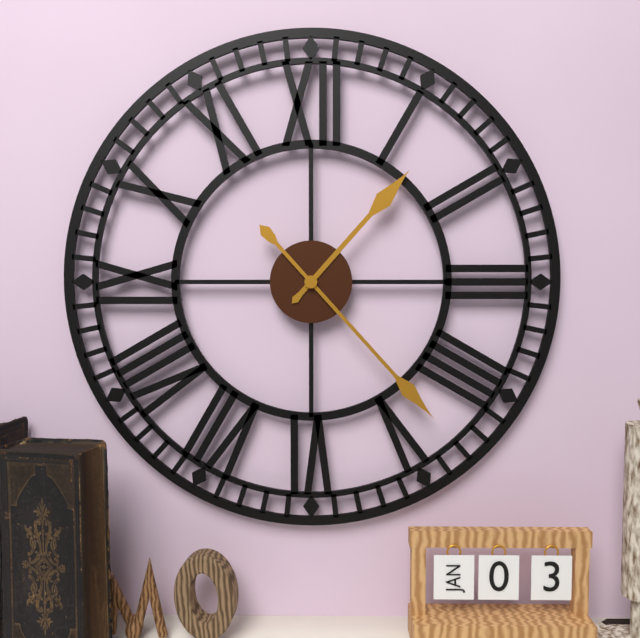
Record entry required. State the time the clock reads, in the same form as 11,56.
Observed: 1,23
